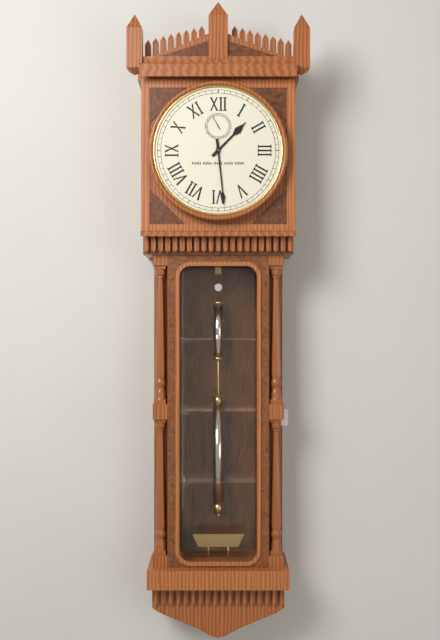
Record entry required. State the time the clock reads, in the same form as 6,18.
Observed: 1,29
